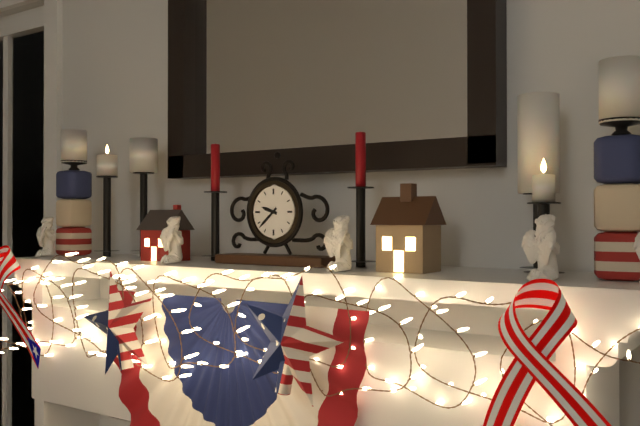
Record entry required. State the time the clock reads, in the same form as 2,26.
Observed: 9,38
